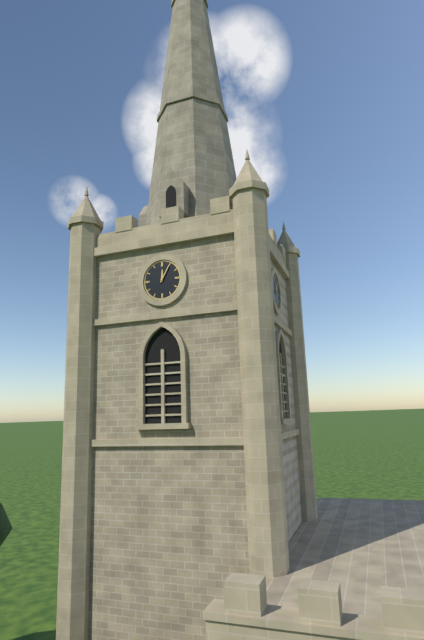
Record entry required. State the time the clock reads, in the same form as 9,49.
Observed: 12,05
